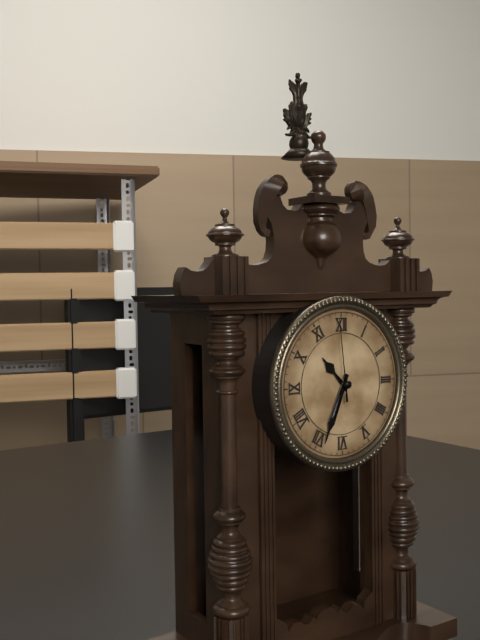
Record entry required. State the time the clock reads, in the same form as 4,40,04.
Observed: 10,34,59
